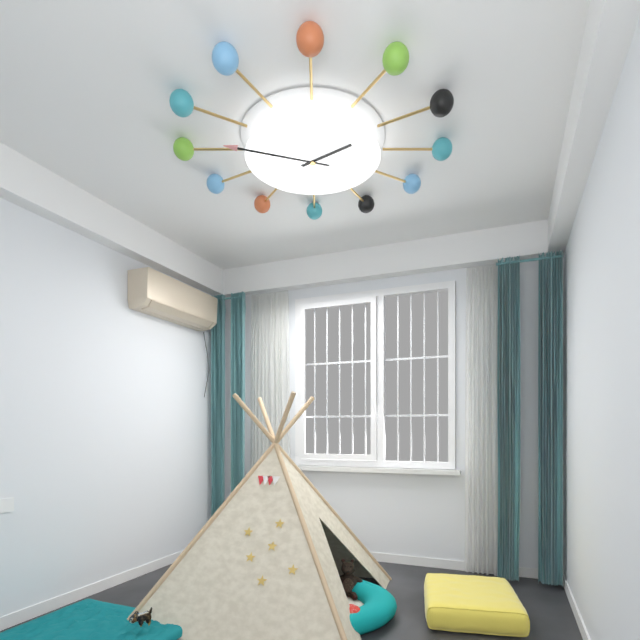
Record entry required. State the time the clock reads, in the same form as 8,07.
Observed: 1,48
